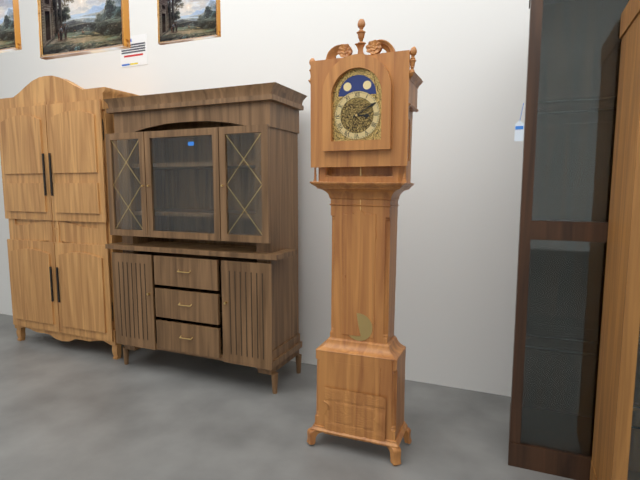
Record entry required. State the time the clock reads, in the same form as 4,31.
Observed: 3,10
